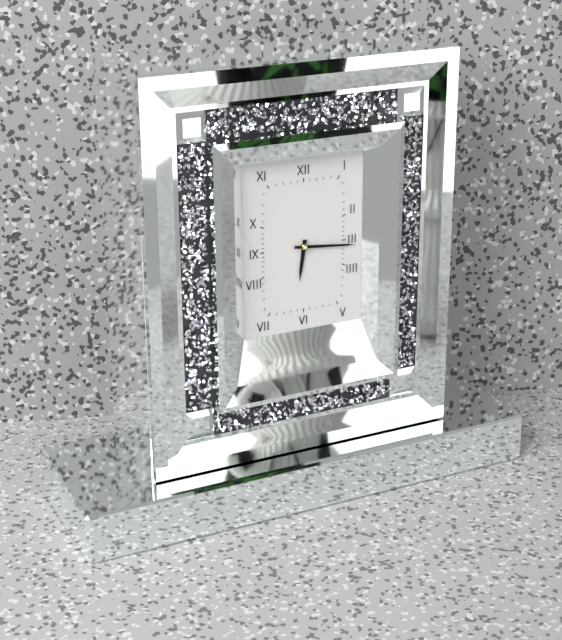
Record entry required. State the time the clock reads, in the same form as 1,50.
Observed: 6,16
